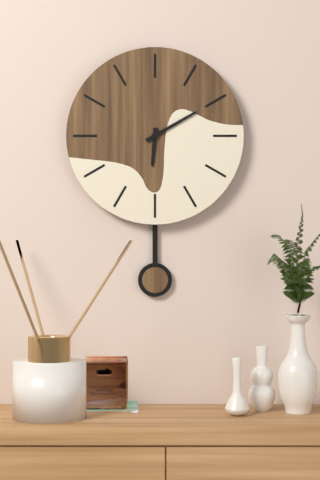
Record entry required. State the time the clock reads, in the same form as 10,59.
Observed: 6,10
